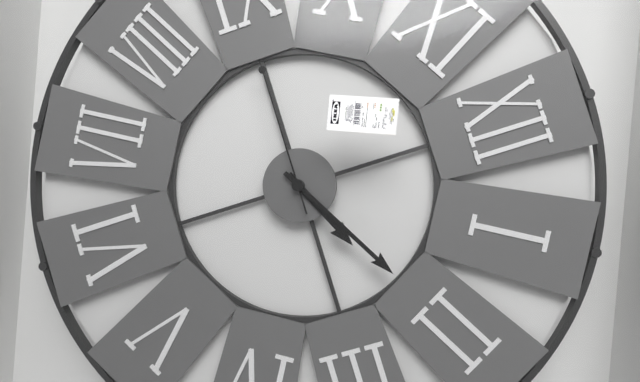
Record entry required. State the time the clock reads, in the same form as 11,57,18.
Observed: 2,10,45
